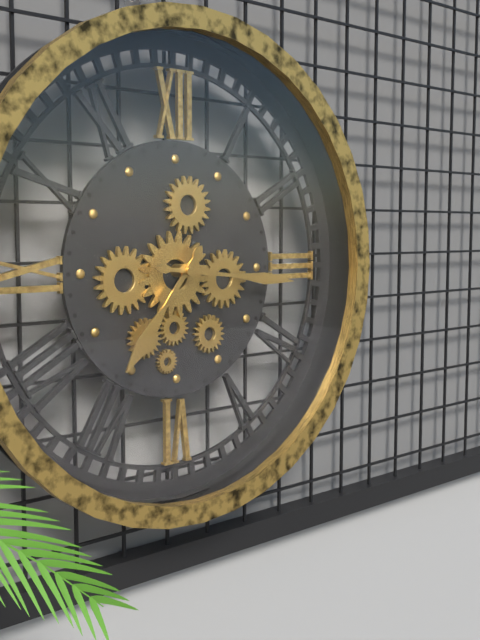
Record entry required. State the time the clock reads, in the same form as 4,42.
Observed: 7,16
